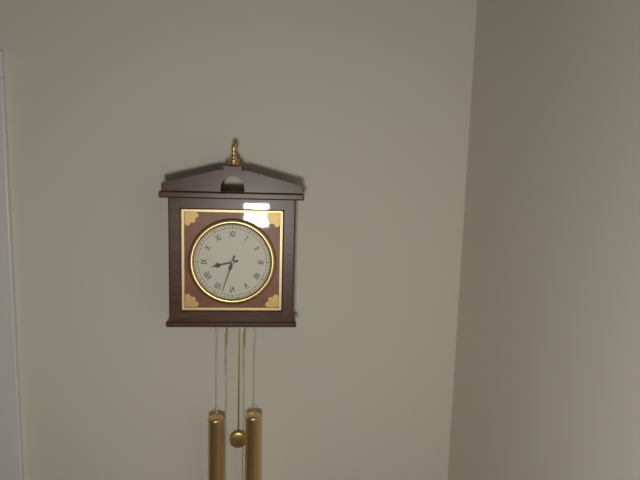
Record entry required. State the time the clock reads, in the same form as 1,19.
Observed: 8,33
